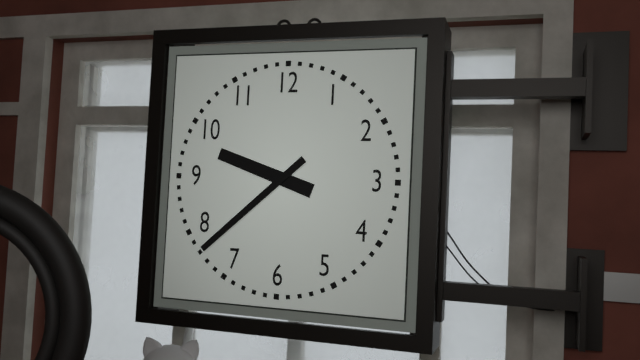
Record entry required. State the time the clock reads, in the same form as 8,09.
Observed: 9,38
